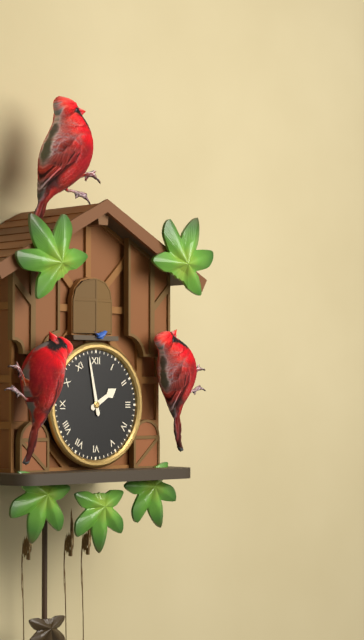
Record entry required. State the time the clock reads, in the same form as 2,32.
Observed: 1,58
